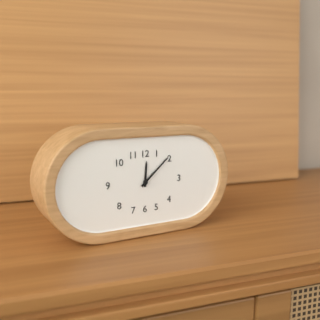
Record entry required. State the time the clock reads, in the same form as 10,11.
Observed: 12,08
